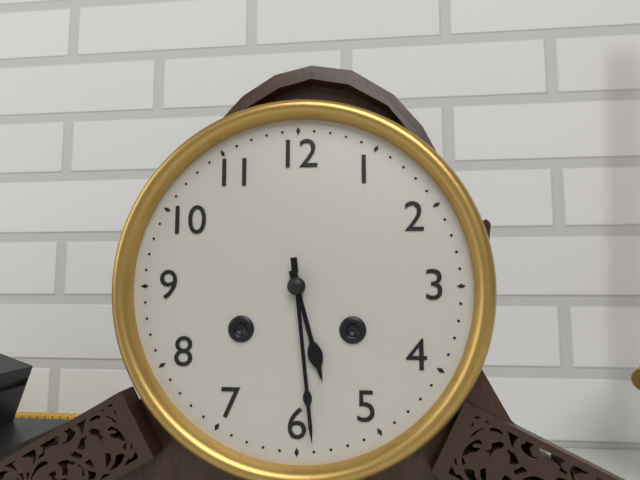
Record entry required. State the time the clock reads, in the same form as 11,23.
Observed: 5,29
